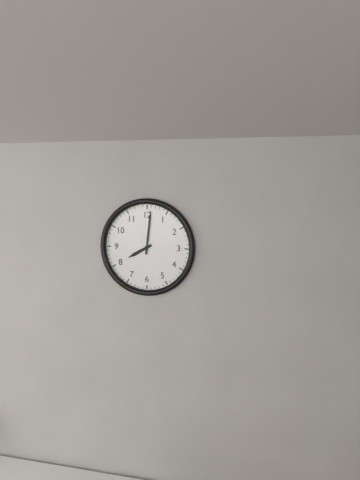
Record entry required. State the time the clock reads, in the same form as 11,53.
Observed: 8,01
